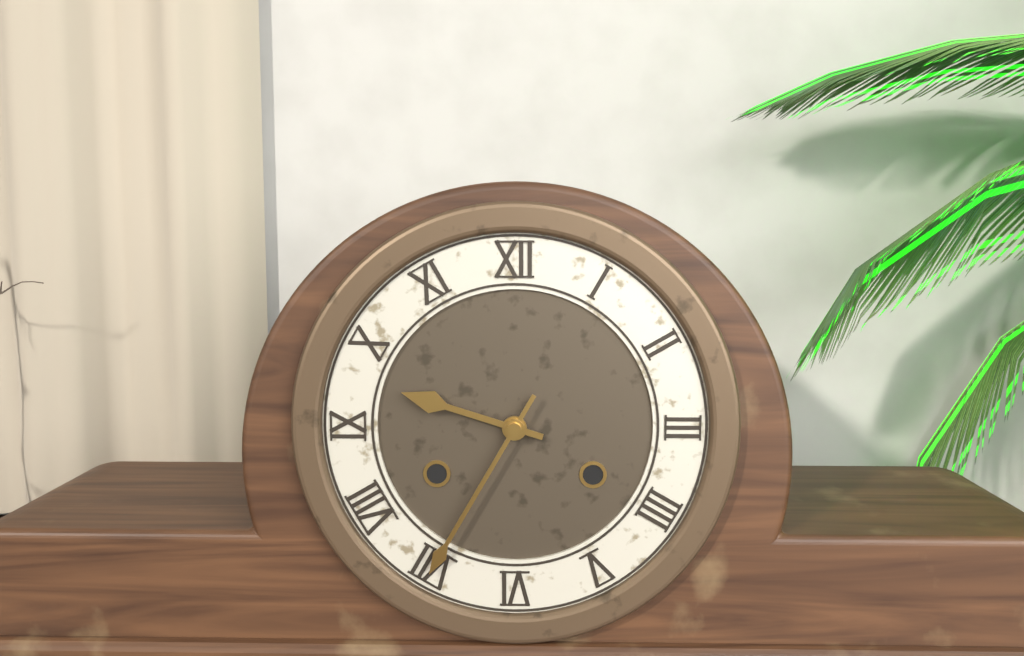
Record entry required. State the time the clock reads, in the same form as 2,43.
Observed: 9,35
